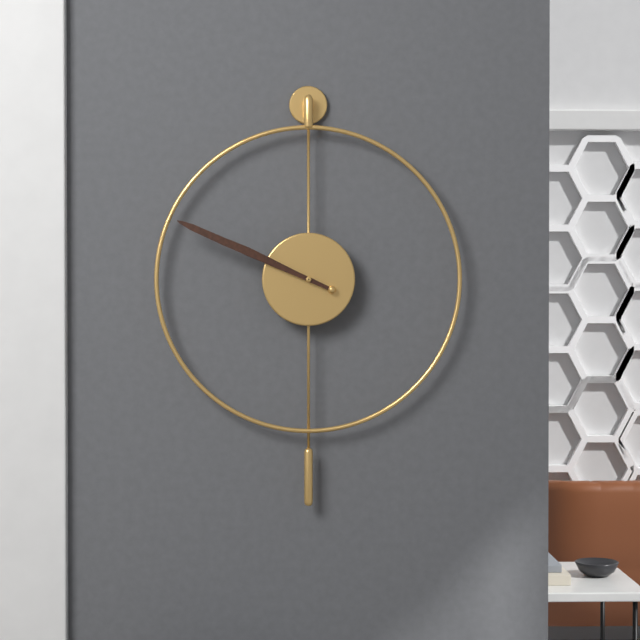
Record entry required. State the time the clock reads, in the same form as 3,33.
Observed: 9,49
